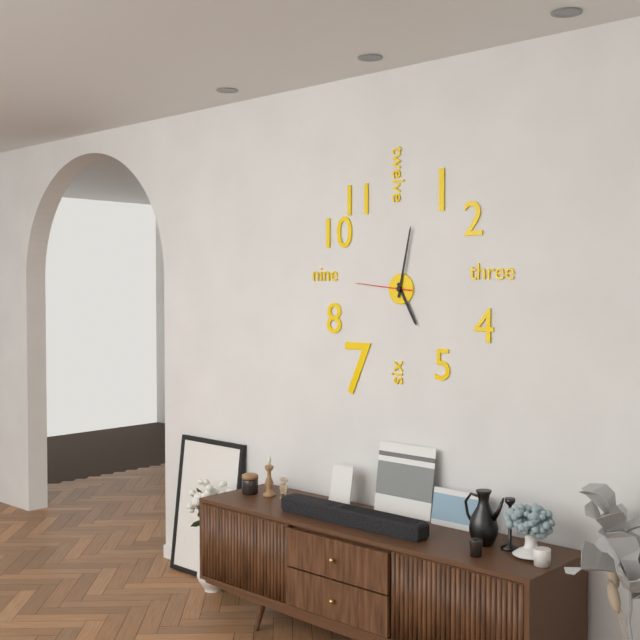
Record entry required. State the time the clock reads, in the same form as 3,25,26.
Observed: 5,02,46
